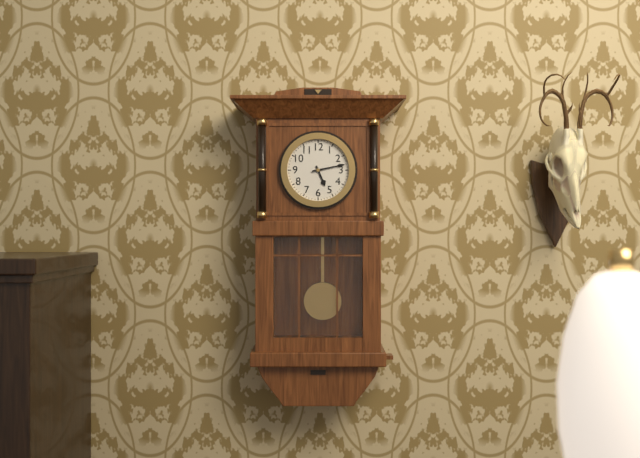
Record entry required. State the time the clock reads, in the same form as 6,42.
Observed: 5,13
